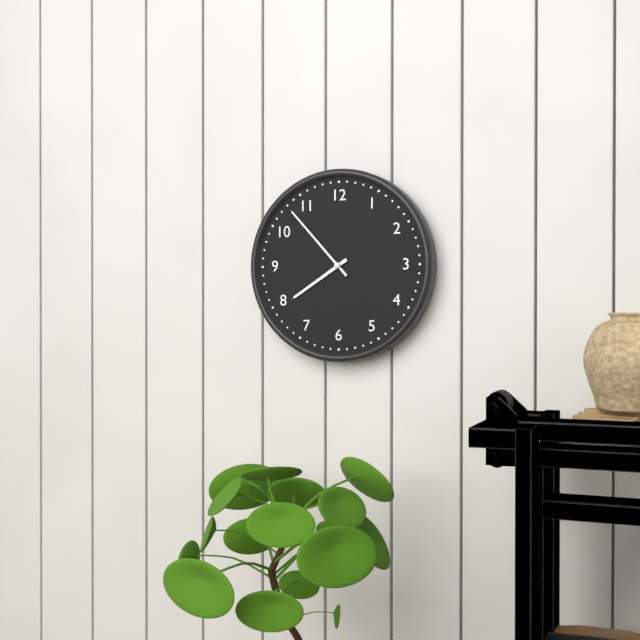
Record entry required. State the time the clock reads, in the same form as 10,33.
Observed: 7,53
